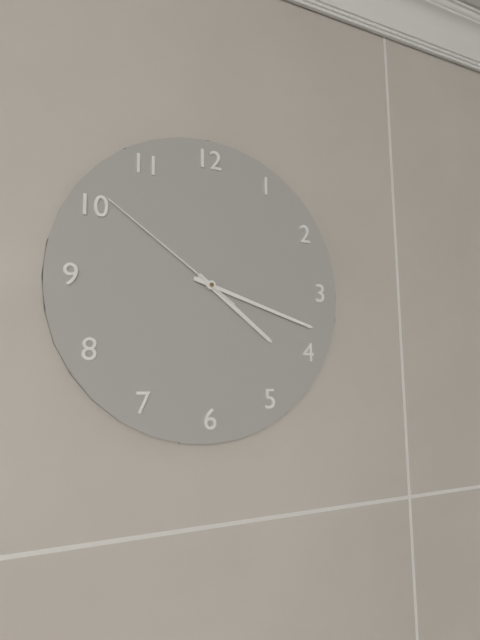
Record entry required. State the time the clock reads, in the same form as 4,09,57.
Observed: 4,18,51
